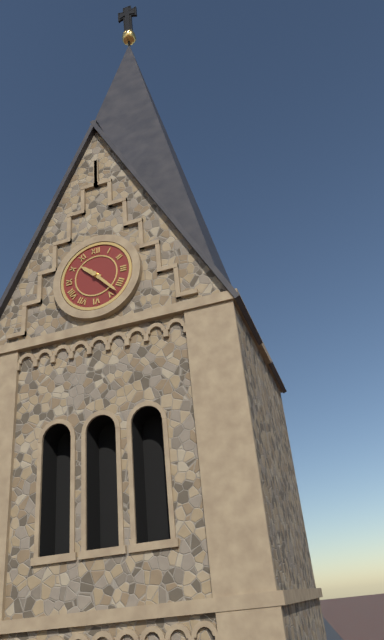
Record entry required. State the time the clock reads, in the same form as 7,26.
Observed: 10,23
